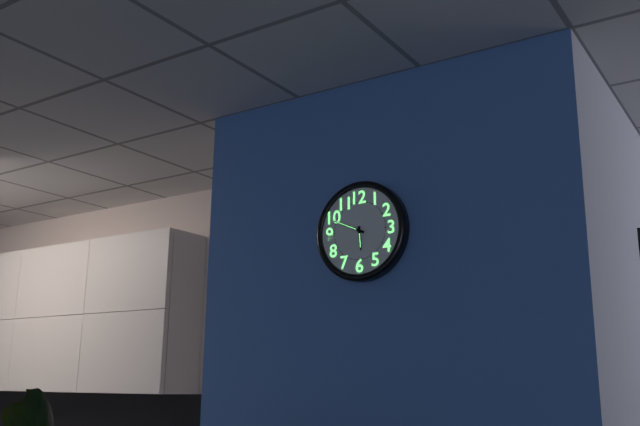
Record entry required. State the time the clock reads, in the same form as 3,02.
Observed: 5,49
